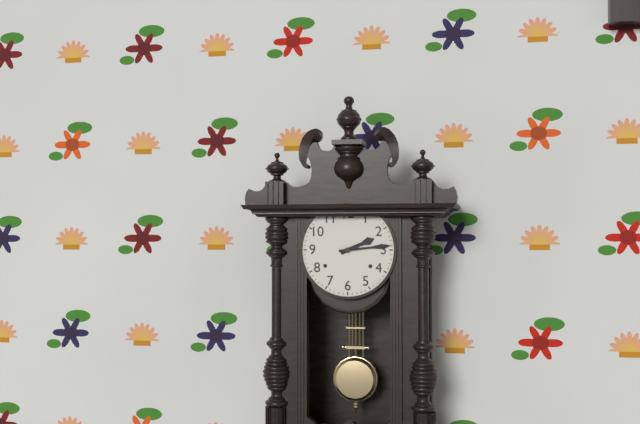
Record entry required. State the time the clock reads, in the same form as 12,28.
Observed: 2,14
